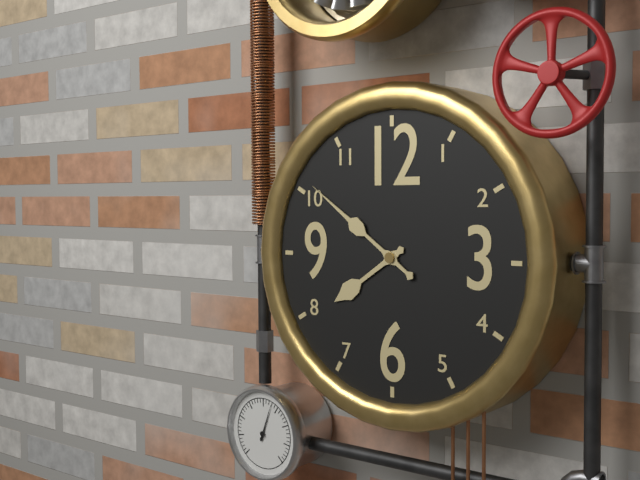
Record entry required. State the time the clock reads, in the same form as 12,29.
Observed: 7,51
